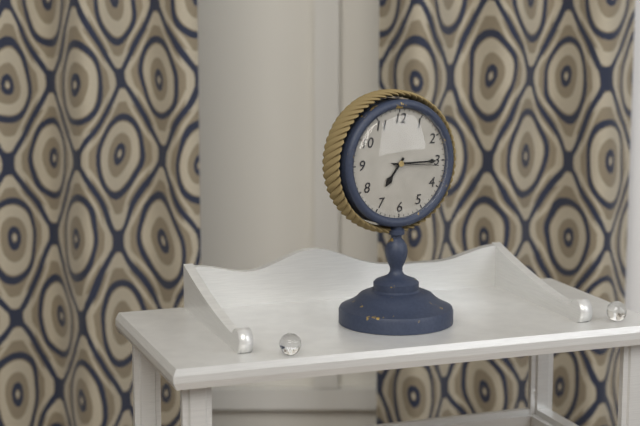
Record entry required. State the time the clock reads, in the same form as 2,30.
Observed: 7,15
